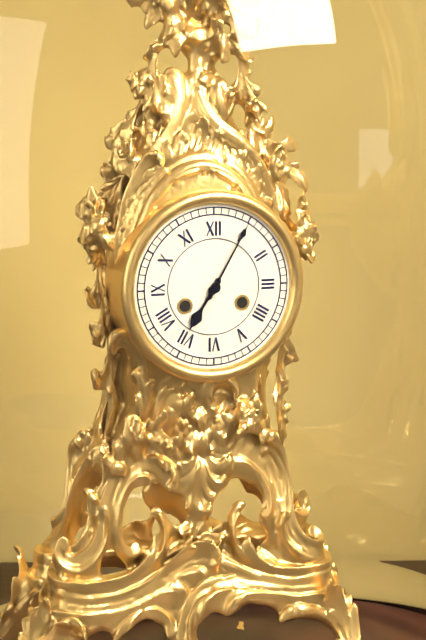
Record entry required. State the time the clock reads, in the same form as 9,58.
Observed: 7,05
